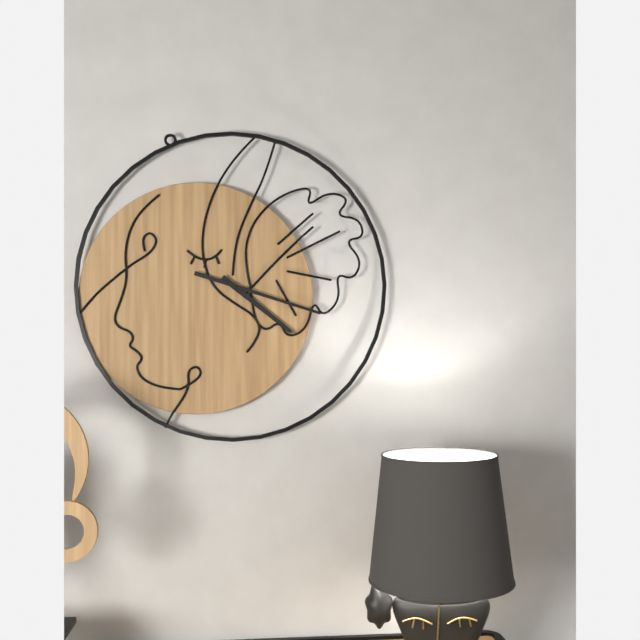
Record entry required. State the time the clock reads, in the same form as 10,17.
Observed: 4,18
